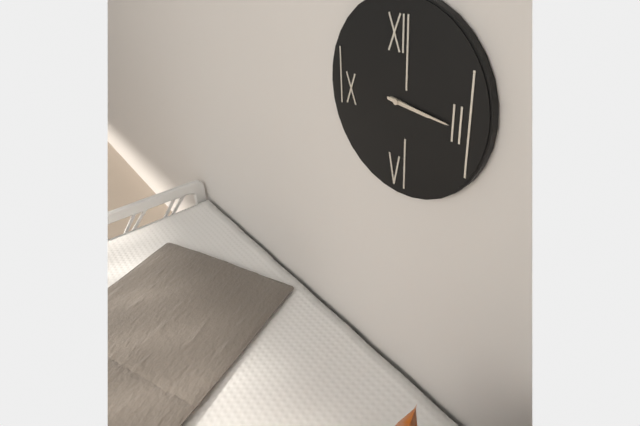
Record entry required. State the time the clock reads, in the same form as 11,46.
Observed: 3,16
